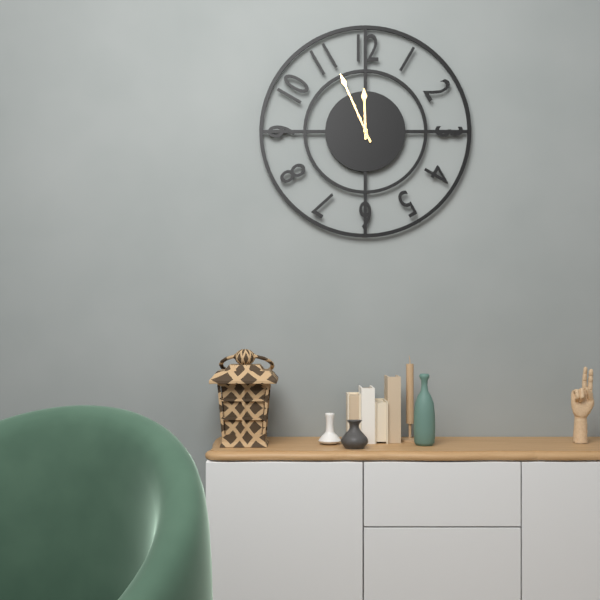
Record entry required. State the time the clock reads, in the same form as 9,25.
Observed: 11,56
